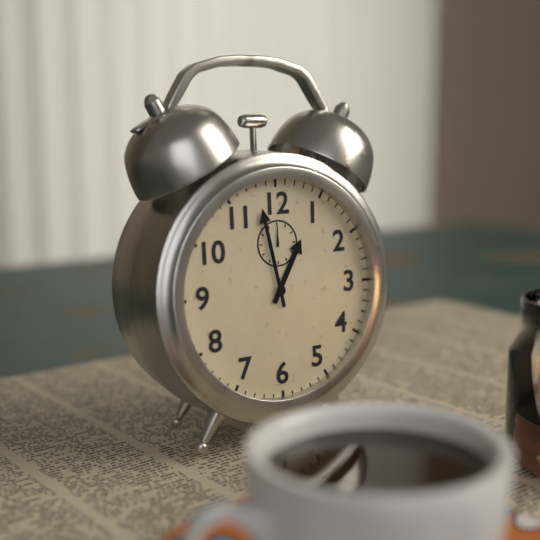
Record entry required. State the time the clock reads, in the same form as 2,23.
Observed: 12,58
